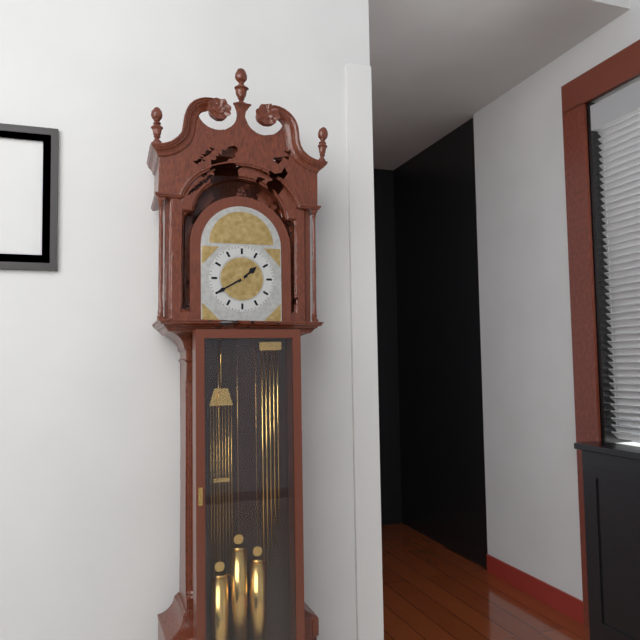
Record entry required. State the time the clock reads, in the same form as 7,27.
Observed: 1,40
